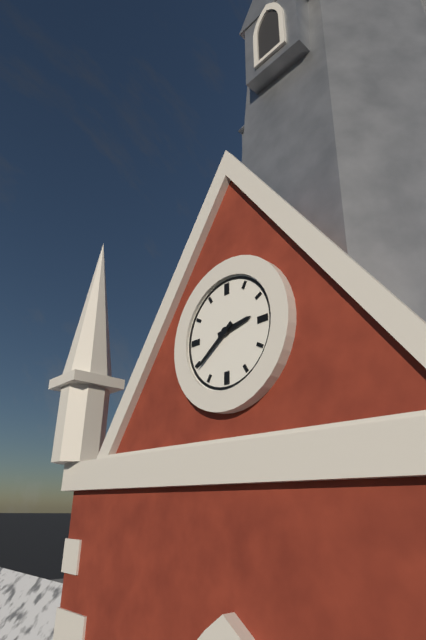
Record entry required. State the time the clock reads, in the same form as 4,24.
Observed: 2,39
